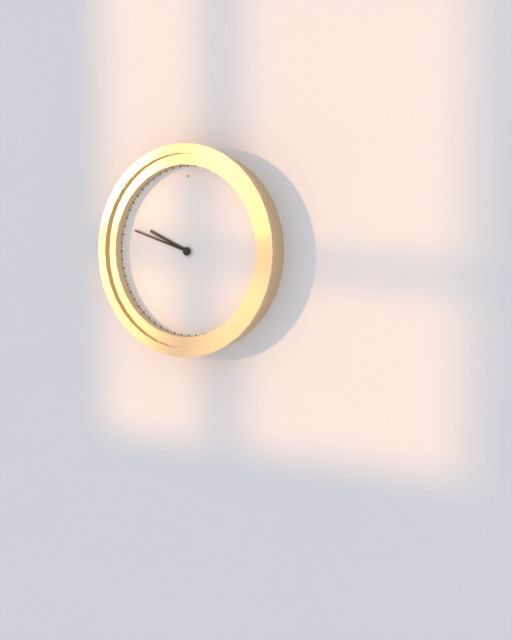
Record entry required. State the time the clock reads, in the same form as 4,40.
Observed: 9,48
